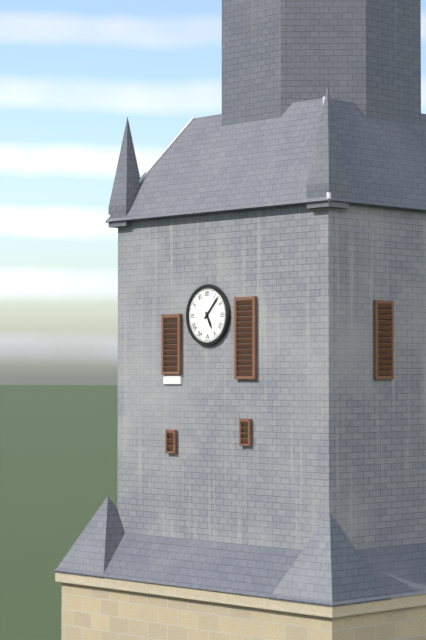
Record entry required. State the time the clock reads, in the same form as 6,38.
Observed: 5,07
